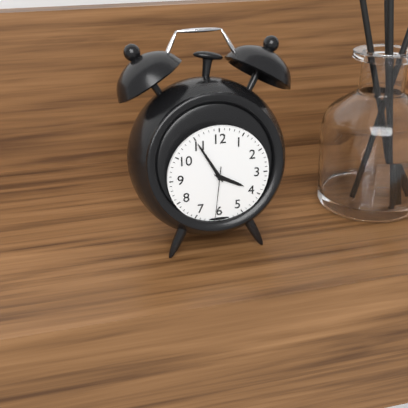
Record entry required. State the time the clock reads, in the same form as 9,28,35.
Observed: 3,55,31
